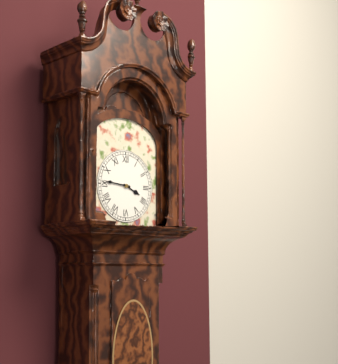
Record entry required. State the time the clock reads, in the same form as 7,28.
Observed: 3,46
